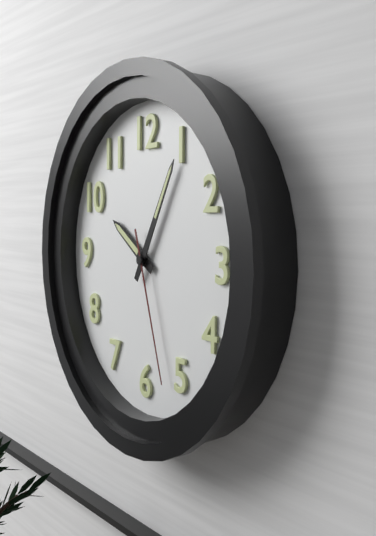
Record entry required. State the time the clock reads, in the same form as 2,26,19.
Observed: 10,05,27
